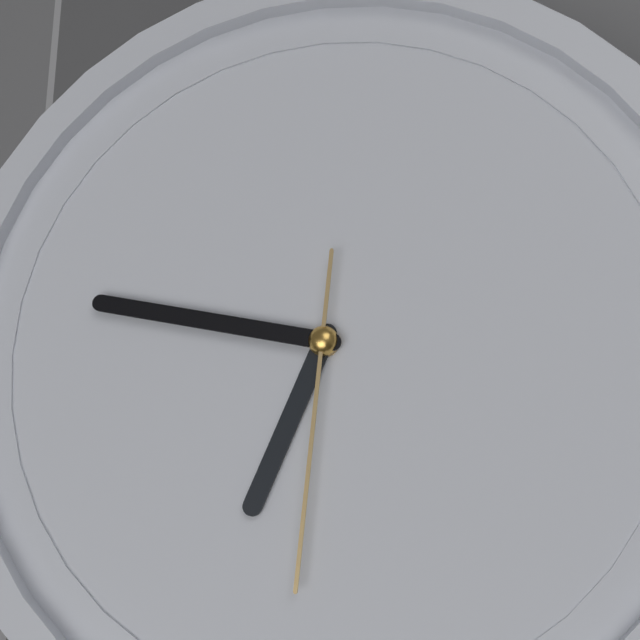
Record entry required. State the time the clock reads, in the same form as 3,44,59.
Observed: 6,47,31
